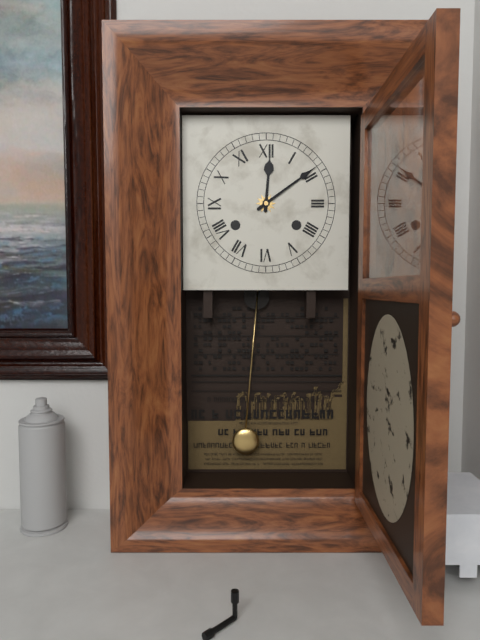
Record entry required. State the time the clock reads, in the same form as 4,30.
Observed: 12,09
